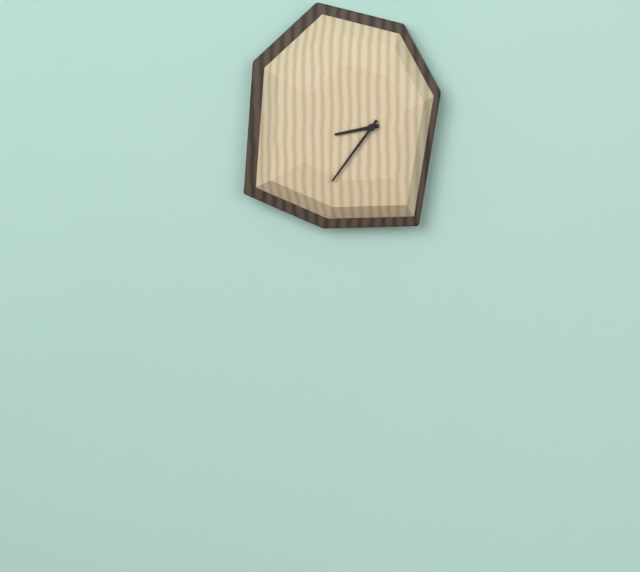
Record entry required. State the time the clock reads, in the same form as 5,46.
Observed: 8,36
